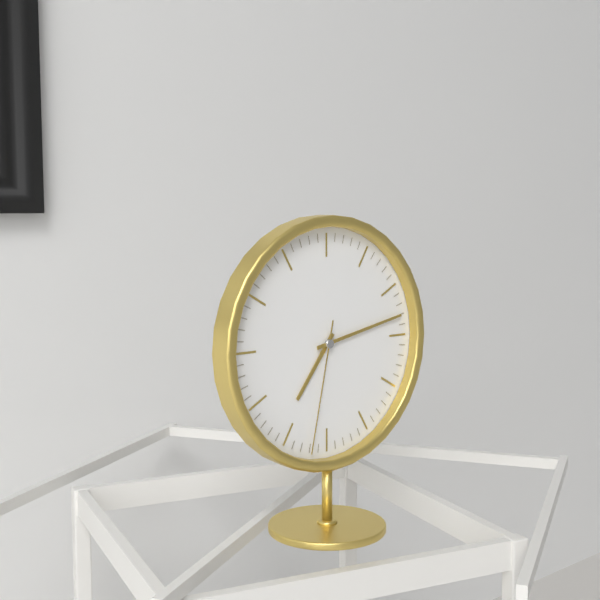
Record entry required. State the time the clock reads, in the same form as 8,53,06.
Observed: 7,13,32
